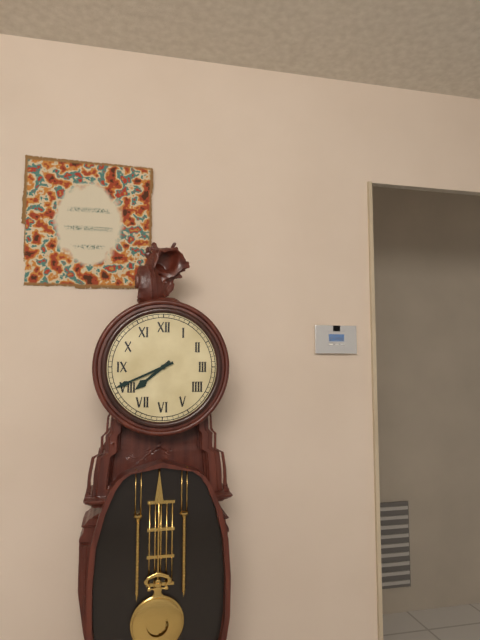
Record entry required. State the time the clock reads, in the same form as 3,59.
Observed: 7,41
